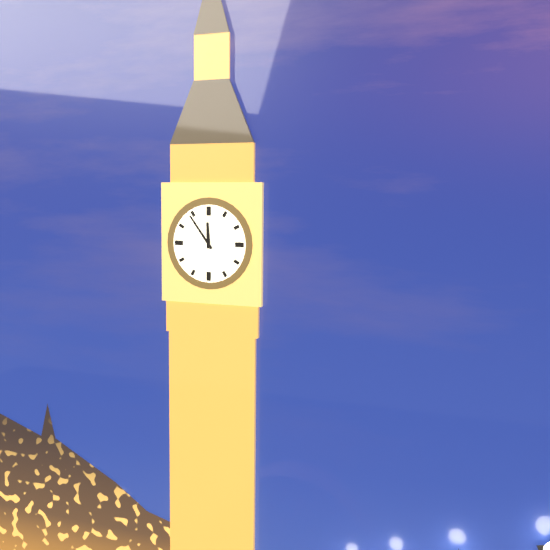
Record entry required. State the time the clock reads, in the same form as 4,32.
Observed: 11,54
